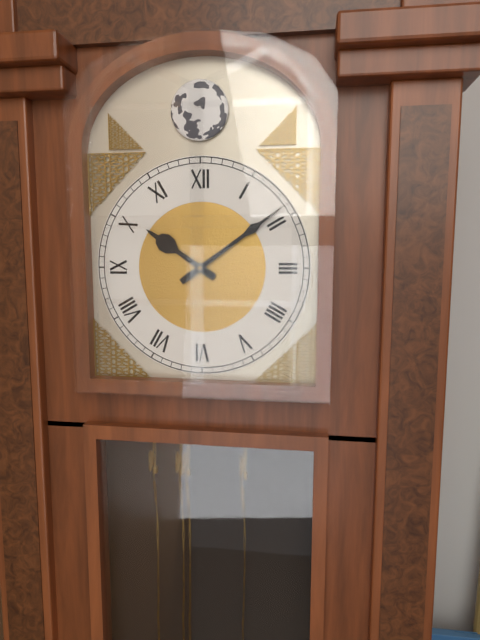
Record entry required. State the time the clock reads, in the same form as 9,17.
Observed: 10,09
